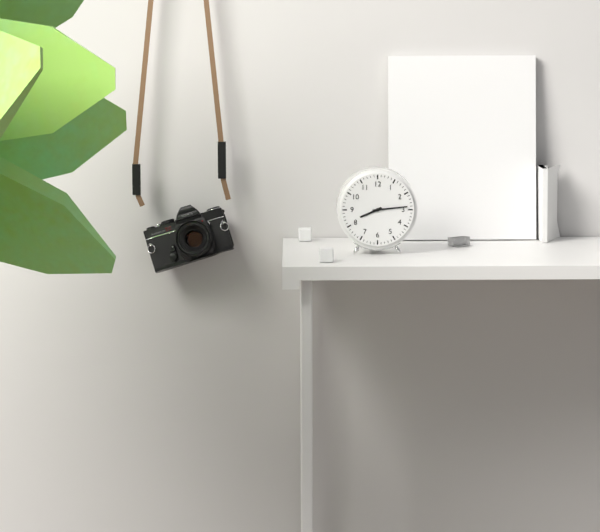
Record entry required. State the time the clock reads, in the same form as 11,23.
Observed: 8,14
